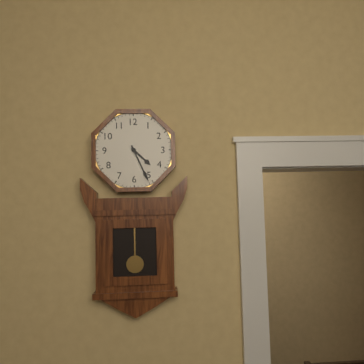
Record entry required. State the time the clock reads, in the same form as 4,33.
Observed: 4,26
